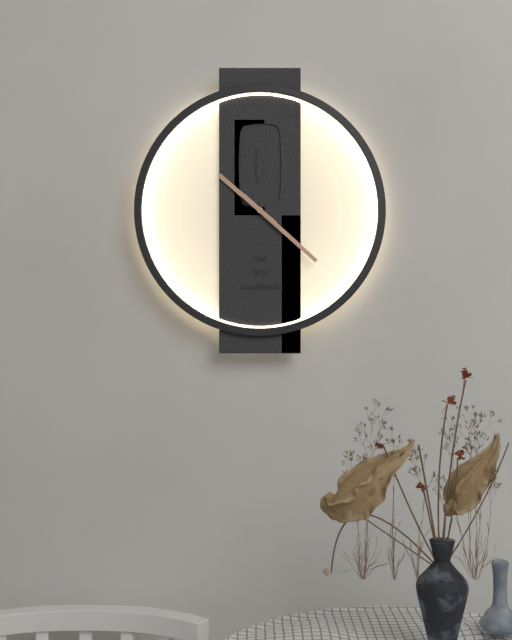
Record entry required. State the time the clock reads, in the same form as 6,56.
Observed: 10,22
